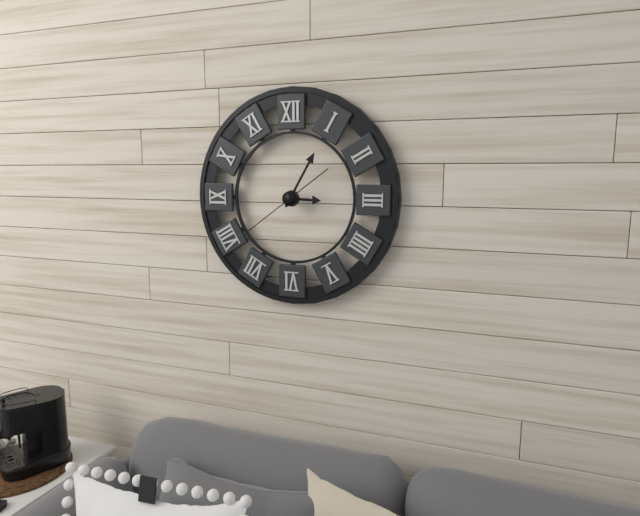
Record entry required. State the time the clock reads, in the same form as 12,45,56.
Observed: 3,05,39
